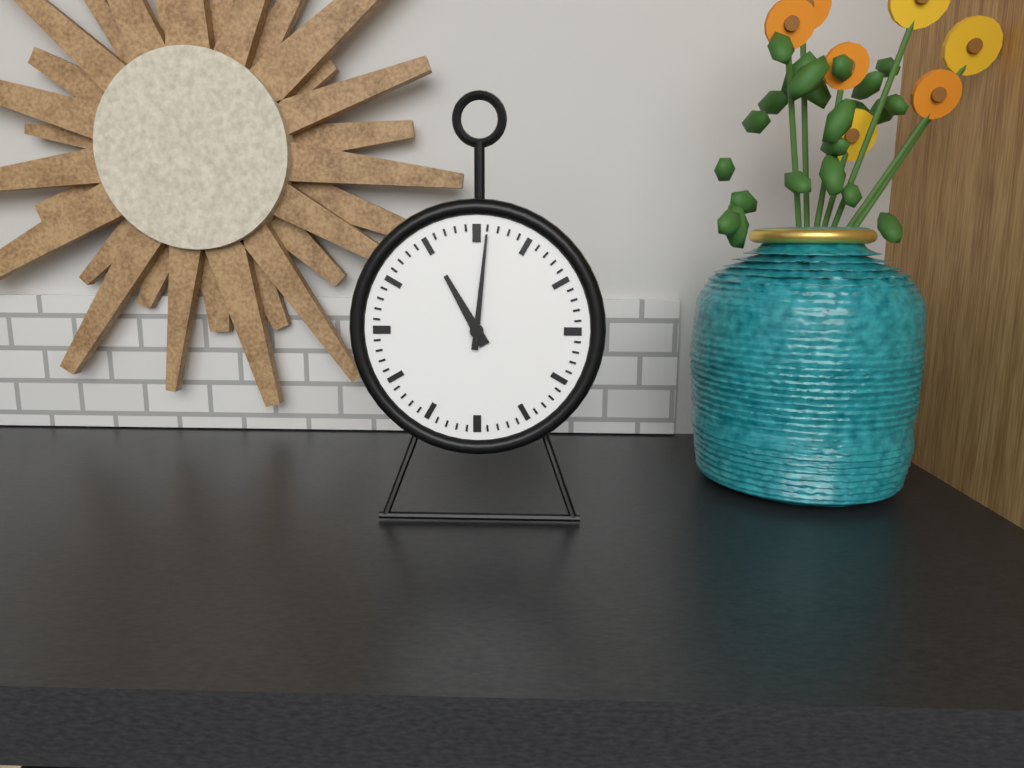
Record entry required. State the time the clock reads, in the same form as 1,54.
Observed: 11,01
